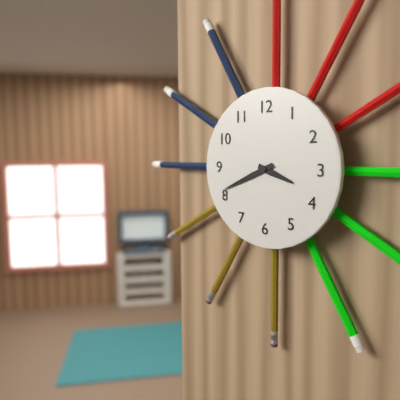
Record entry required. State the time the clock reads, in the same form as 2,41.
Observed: 3,41
